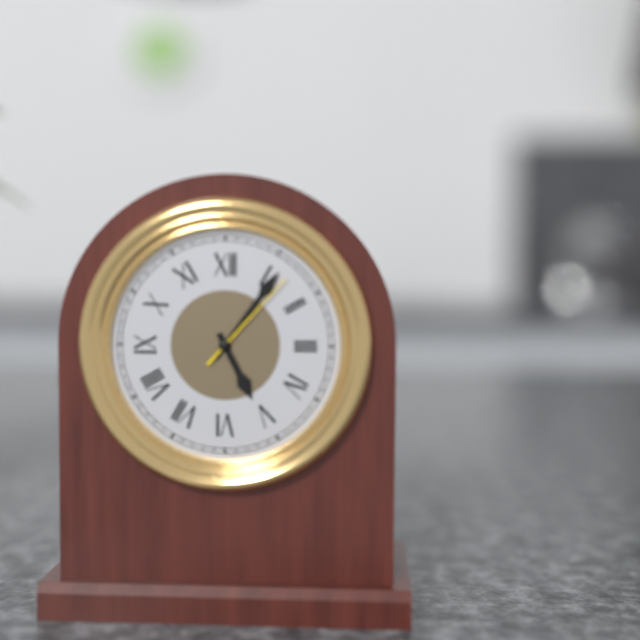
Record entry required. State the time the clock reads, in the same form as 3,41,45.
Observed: 5,06,07
